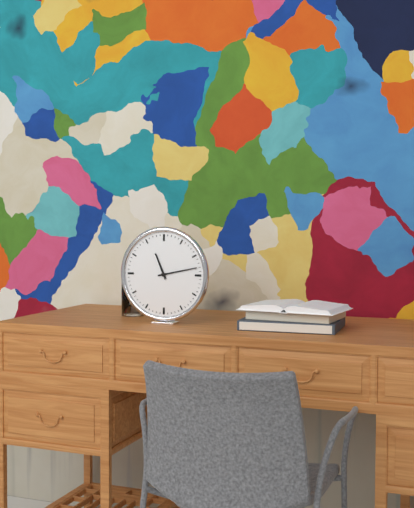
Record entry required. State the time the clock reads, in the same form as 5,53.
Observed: 11,13
